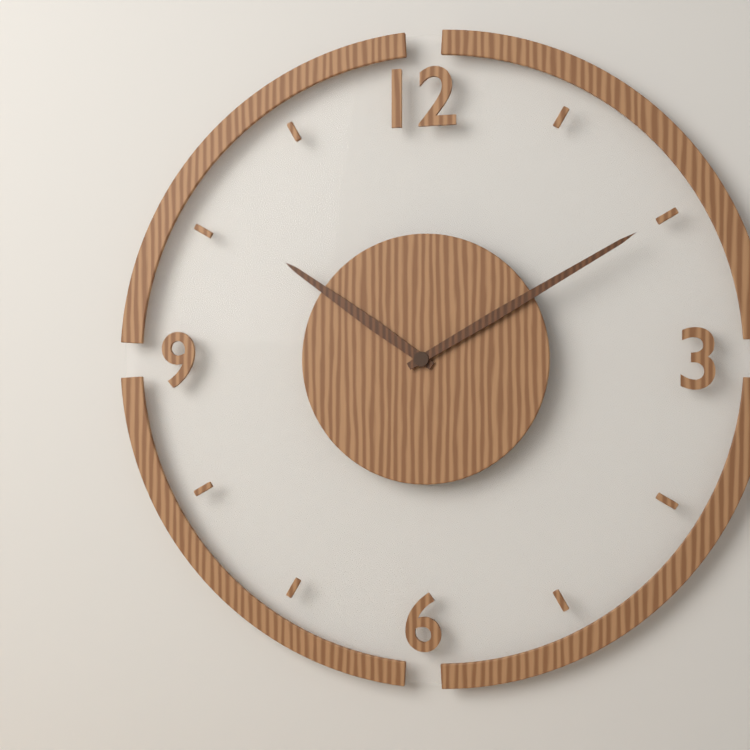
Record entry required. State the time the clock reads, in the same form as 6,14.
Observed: 10,10
